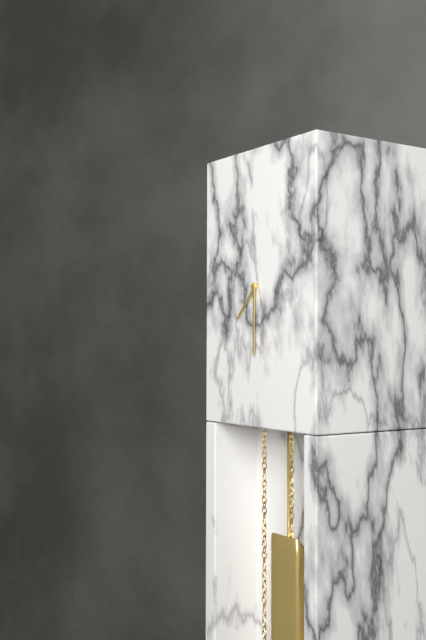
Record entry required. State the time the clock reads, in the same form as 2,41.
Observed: 7,30
